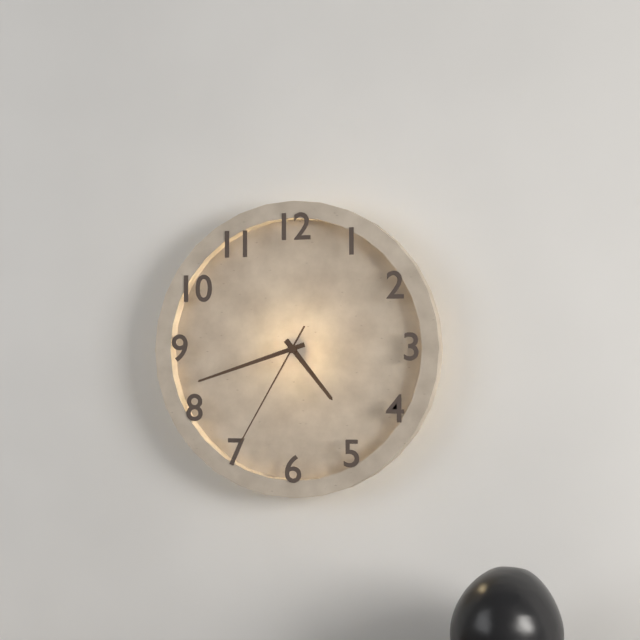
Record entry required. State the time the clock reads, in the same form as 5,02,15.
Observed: 4,42,35
